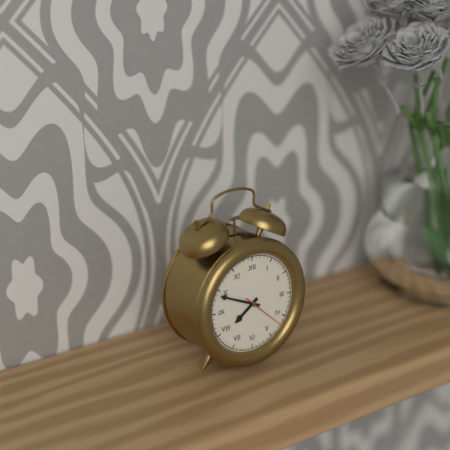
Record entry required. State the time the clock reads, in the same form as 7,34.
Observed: 7,49
